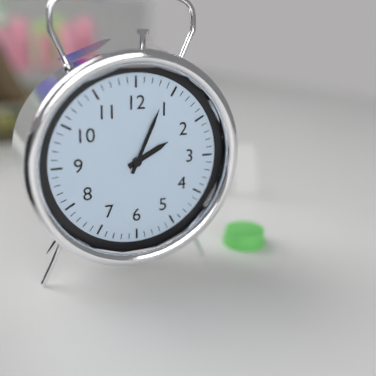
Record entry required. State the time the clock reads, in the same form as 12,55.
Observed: 2,04
